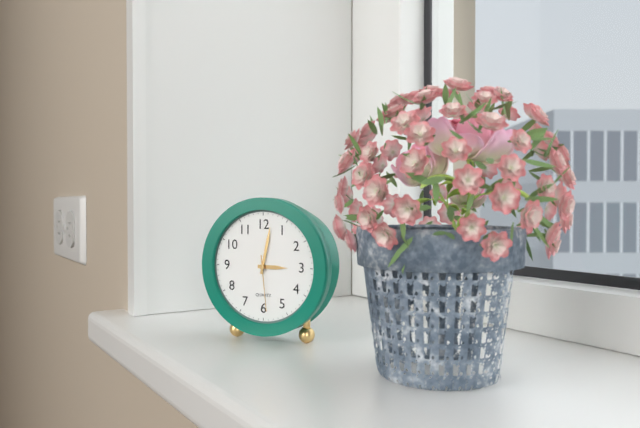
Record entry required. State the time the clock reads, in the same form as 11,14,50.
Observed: 3,02,29
